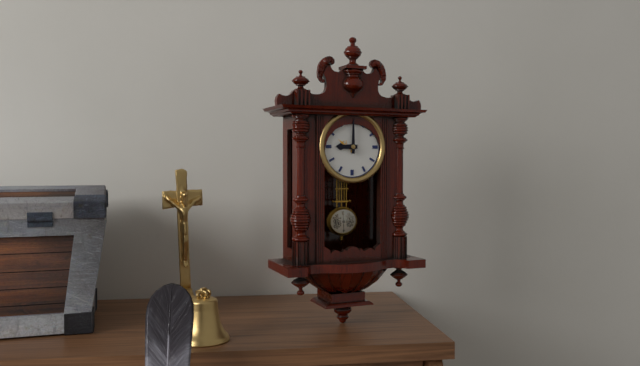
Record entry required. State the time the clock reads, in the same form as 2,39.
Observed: 9,00
